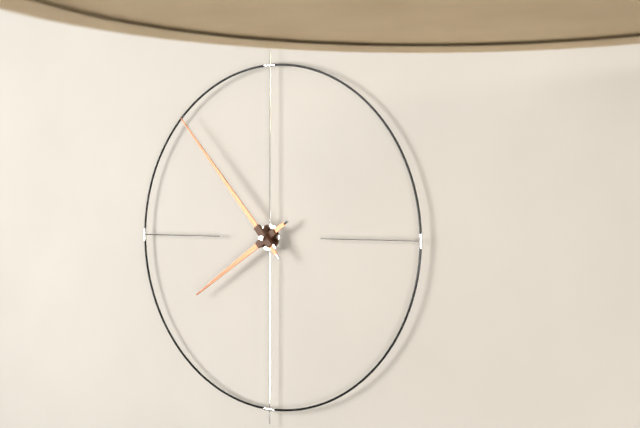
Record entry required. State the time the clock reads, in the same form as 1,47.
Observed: 7,53
